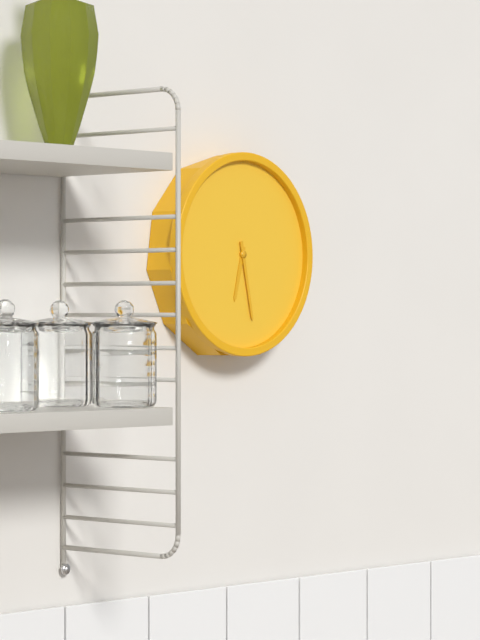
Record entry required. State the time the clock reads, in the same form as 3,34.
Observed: 6,28
